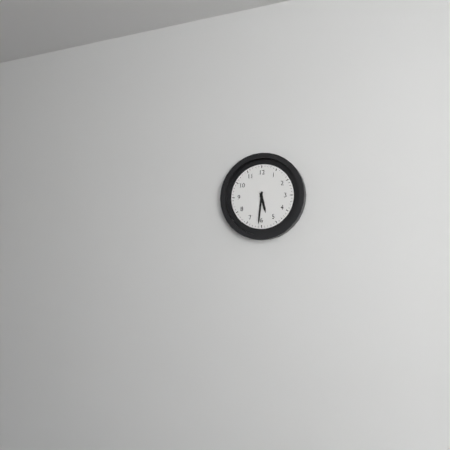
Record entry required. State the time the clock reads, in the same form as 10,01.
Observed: 5,31
